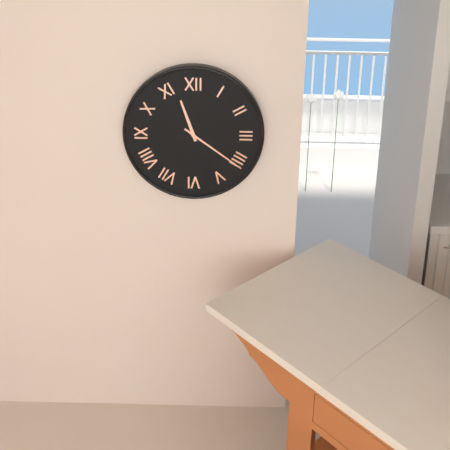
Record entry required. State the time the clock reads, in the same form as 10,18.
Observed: 11,21
